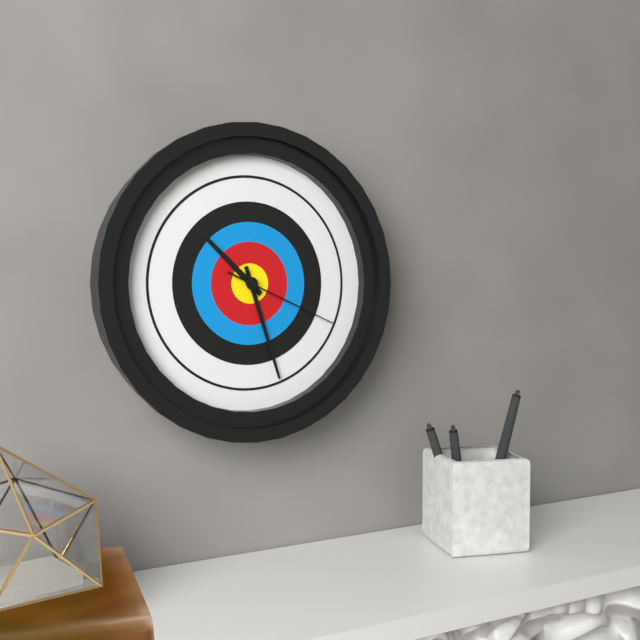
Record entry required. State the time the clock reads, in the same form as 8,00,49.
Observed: 10,27,19
